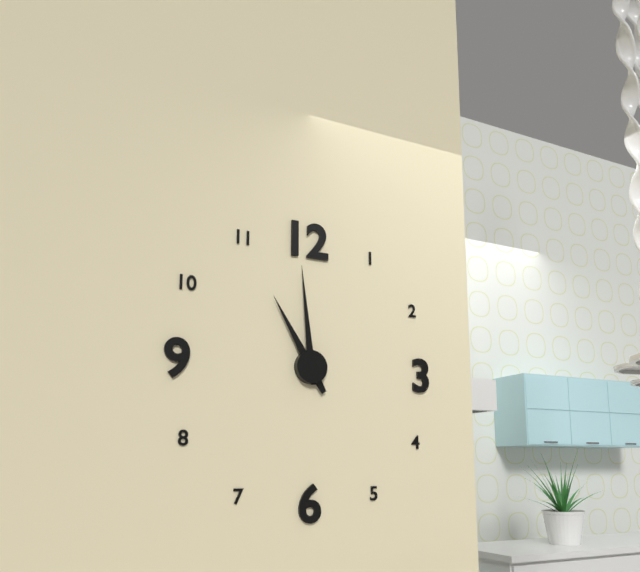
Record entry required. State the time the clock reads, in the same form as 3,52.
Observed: 10,59
